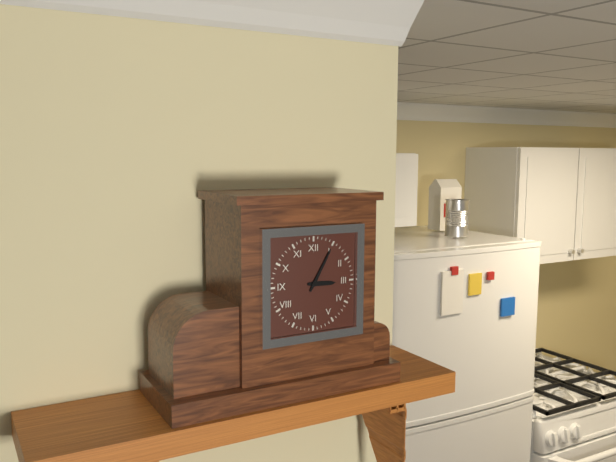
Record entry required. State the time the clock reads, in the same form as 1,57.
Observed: 3,05
